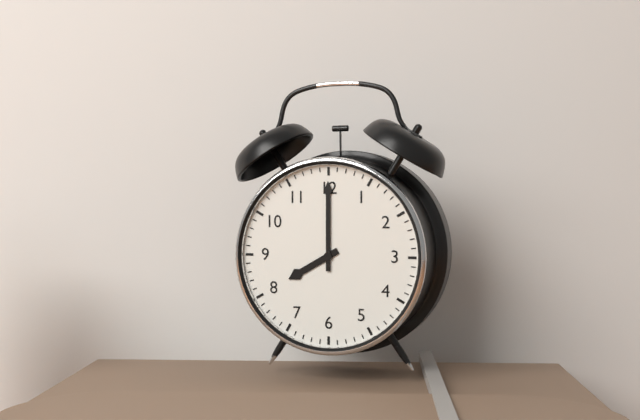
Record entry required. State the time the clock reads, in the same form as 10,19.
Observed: 8,00
